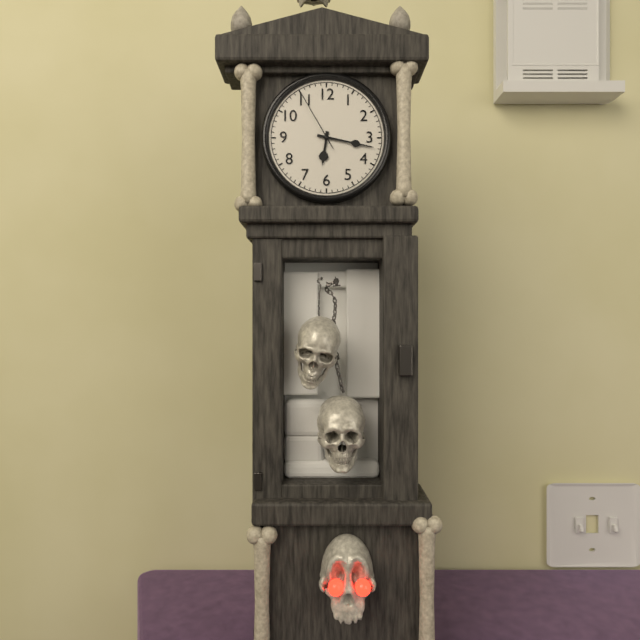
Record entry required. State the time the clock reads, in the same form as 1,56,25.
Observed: 6,17,55
